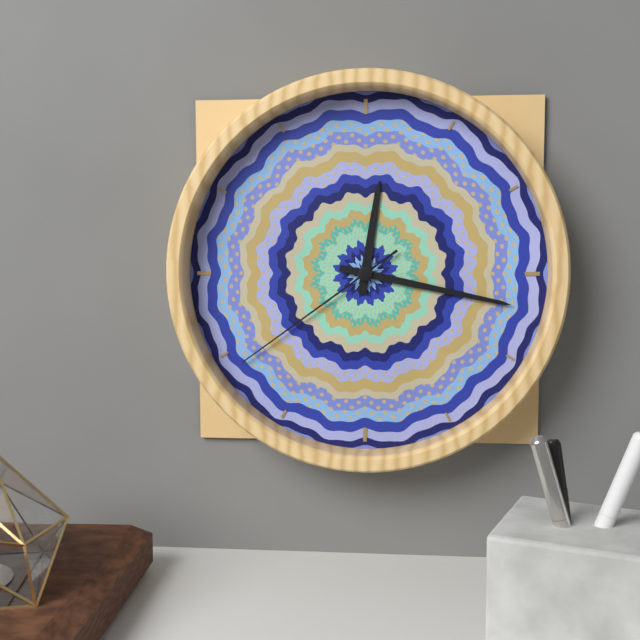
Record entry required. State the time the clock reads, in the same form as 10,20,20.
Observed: 12,17,39
